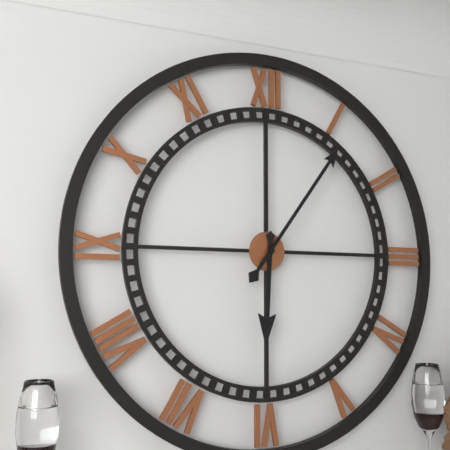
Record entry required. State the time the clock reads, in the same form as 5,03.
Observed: 6,06
